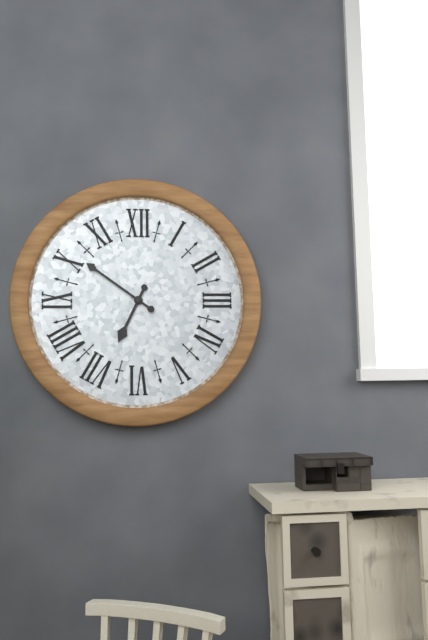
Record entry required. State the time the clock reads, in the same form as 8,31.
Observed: 6,51
